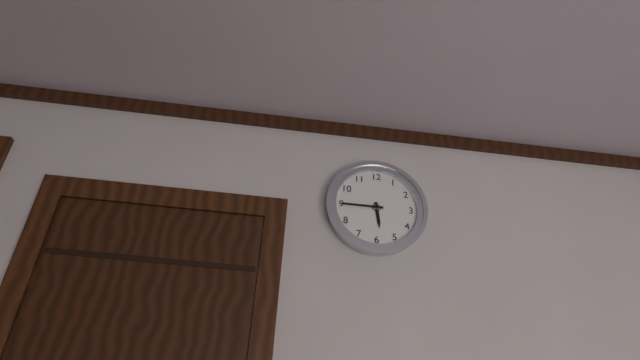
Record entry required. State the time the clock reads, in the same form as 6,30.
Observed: 5,45
